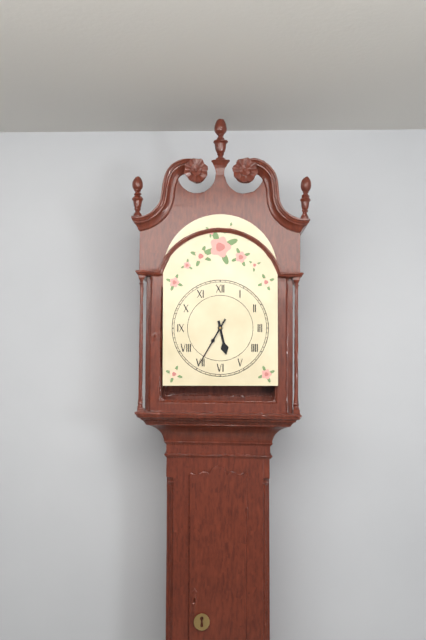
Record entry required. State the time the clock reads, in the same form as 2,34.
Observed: 5,35
